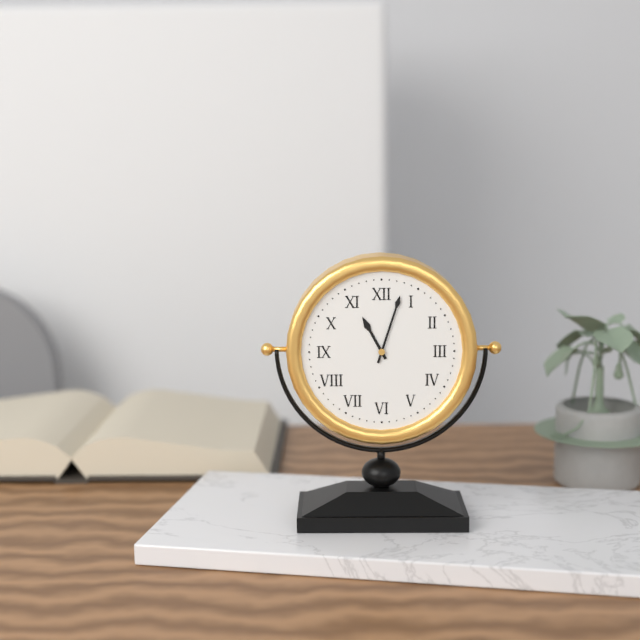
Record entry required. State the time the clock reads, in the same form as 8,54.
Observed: 11,03
